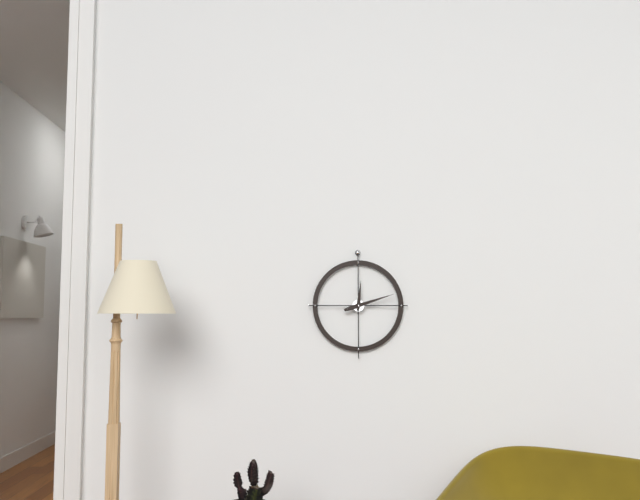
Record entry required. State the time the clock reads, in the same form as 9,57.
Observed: 12,12
